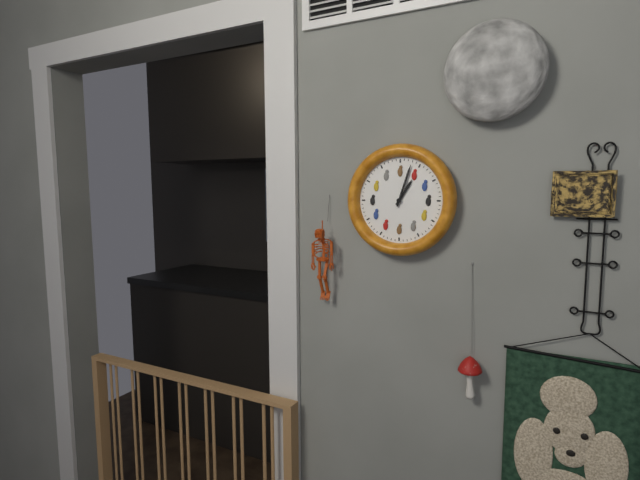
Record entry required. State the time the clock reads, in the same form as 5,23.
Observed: 1,03
